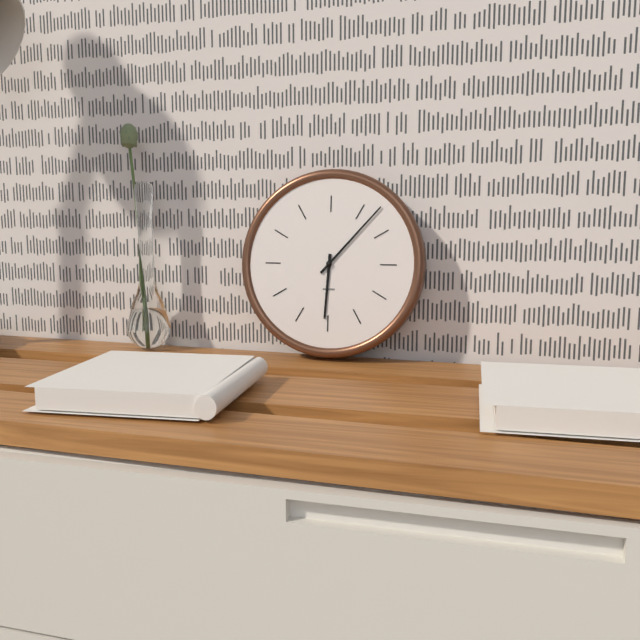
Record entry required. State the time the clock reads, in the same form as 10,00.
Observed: 6,07
